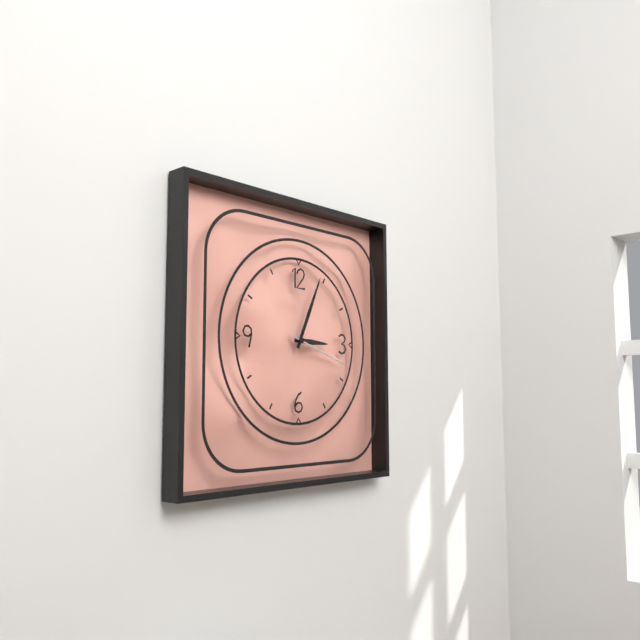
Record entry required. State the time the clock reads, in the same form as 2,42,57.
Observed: 3,04,18
